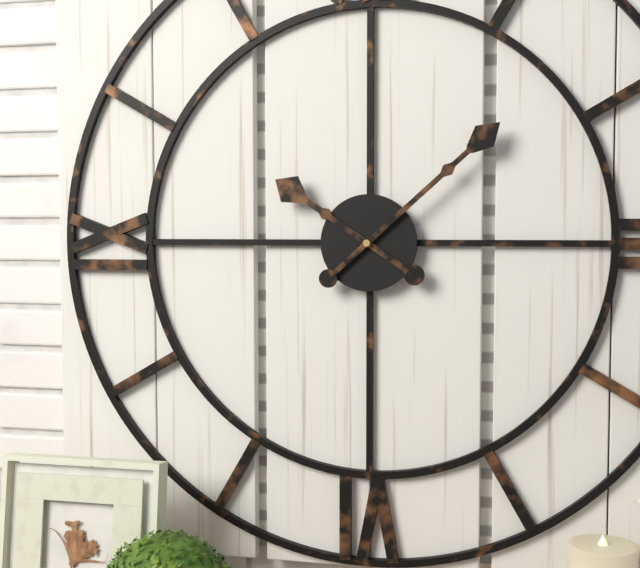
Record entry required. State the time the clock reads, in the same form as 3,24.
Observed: 10,08
